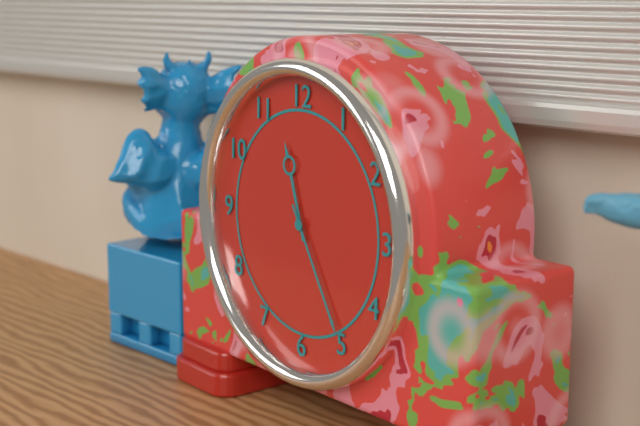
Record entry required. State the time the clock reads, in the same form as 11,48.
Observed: 11,25
